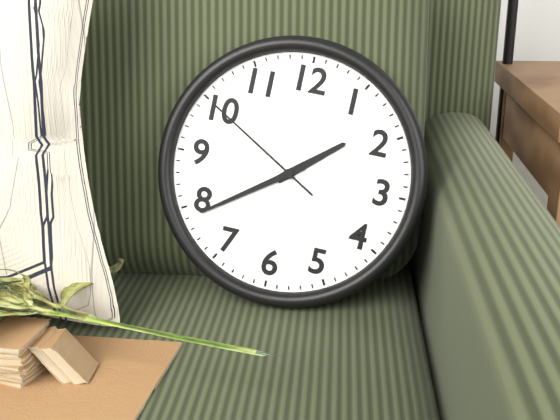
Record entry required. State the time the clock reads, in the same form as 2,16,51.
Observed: 1,39,50
